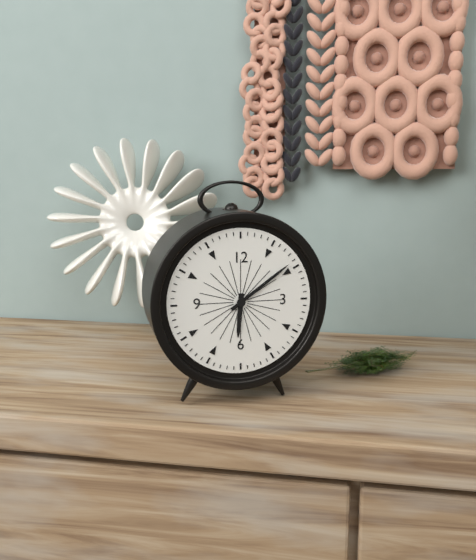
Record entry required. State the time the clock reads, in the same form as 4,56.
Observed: 6,09
